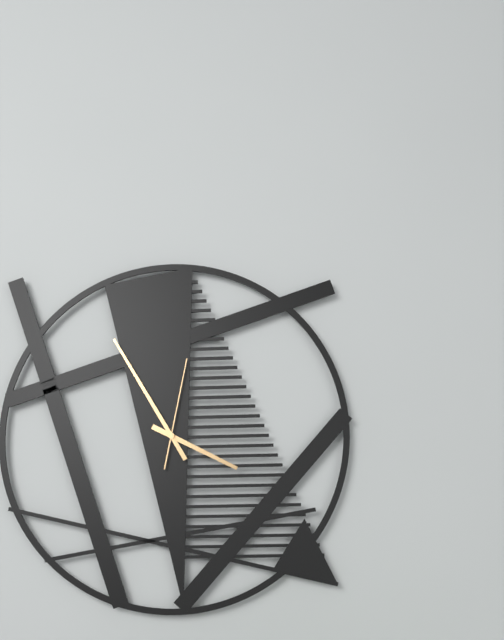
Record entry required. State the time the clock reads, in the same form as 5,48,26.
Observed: 3,55,02
